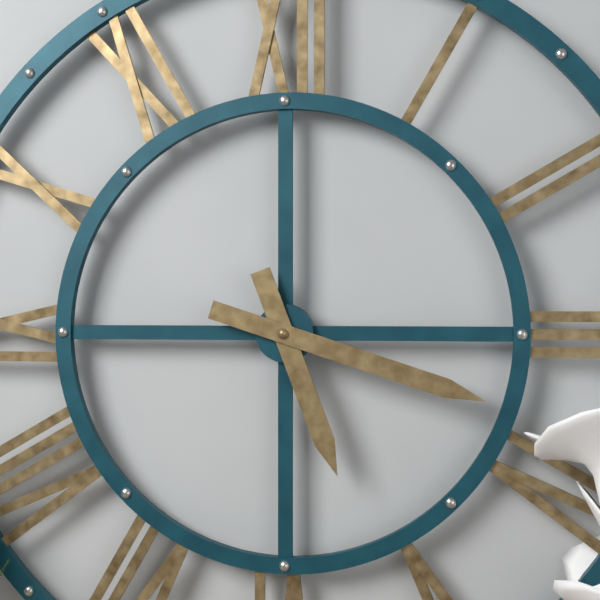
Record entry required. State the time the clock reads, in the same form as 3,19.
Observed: 5,18
